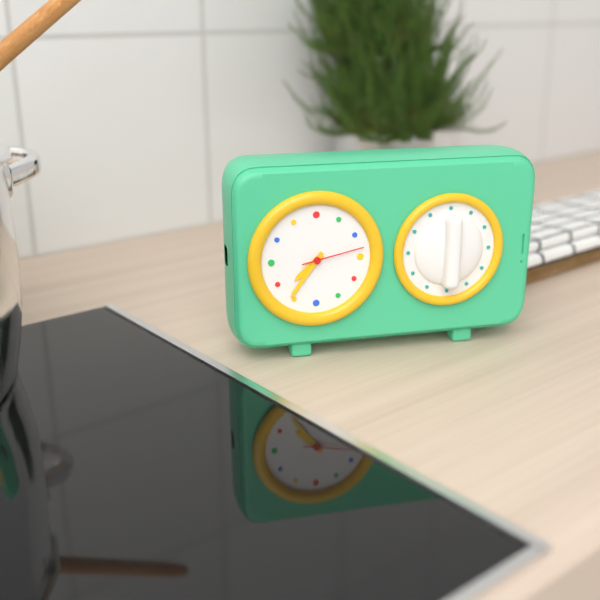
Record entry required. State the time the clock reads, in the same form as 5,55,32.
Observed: 7,36,13
